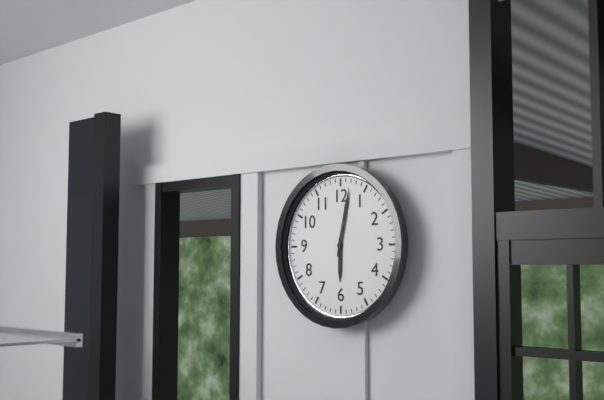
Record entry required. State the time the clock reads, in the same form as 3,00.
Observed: 6,02
